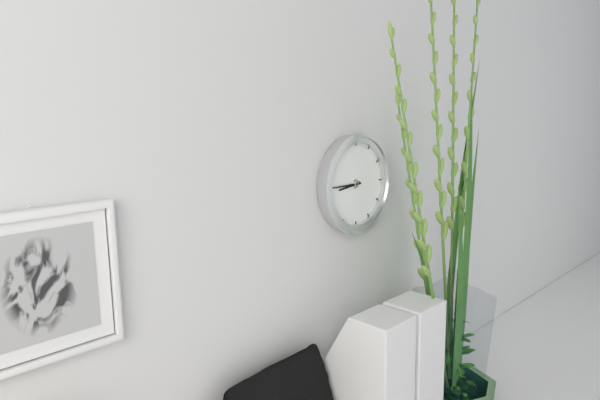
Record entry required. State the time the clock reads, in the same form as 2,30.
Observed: 8,45
